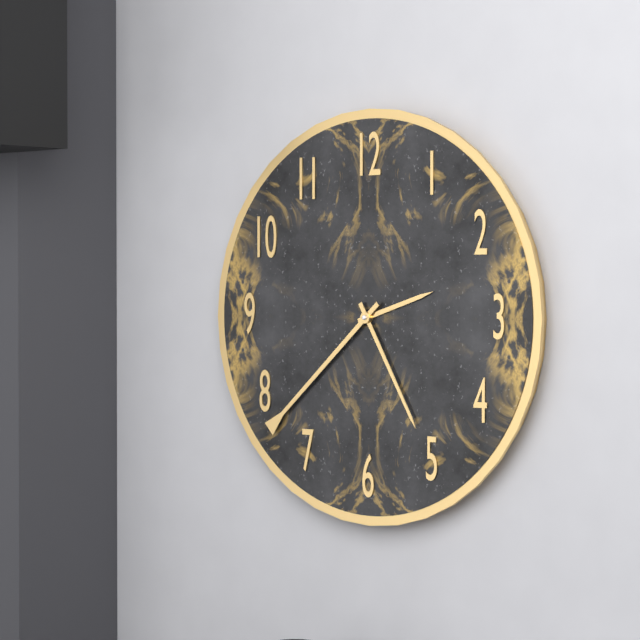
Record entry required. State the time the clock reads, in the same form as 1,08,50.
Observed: 2,25,38
